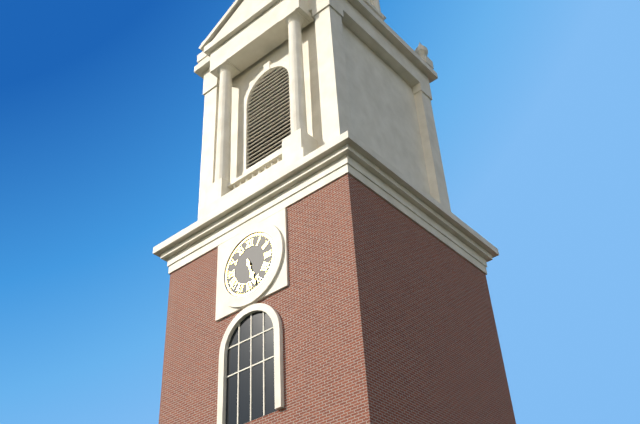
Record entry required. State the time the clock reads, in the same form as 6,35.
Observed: 5,27
